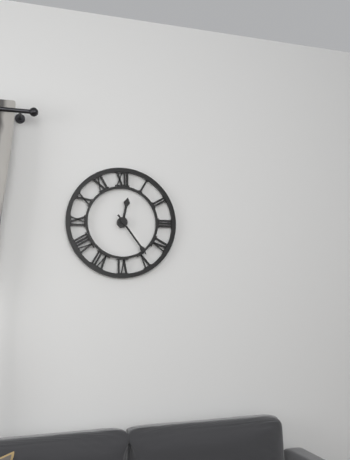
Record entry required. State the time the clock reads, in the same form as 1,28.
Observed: 12,24
